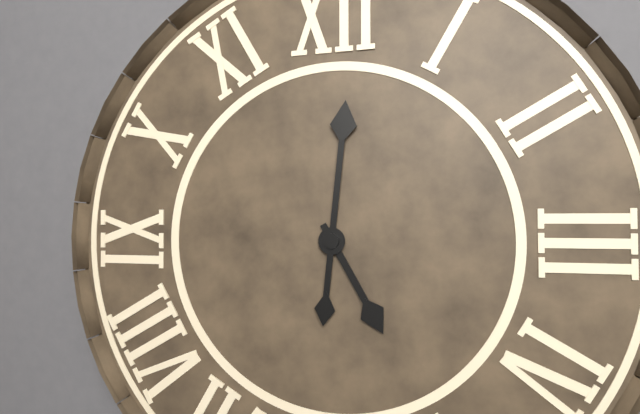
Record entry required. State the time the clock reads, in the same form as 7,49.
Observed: 5,01
